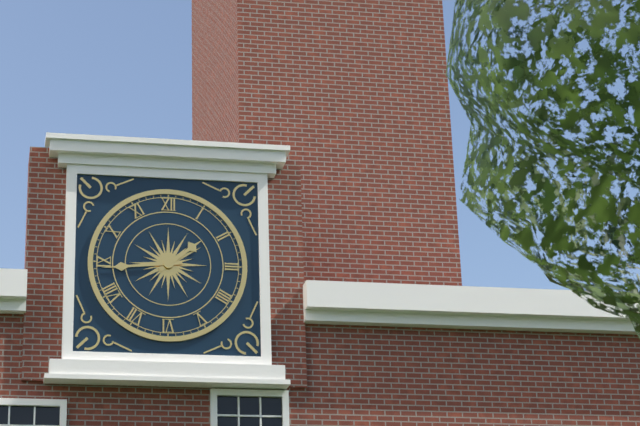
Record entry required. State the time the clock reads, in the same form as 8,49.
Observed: 1,44
